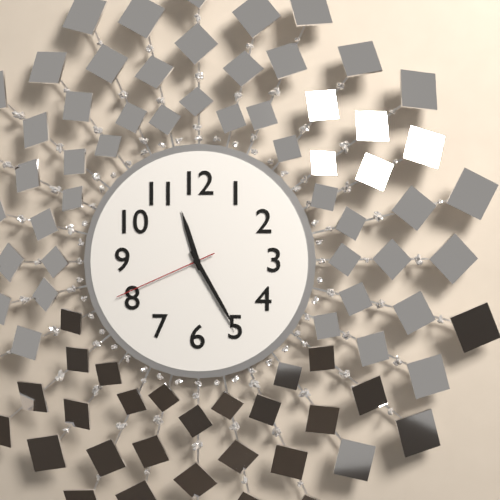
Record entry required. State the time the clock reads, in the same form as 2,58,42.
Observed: 11,25,41
